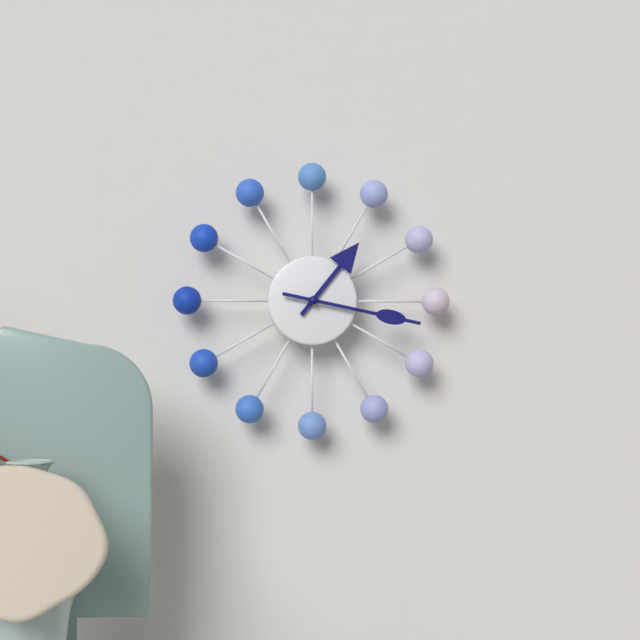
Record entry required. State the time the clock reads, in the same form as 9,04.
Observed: 1,17
